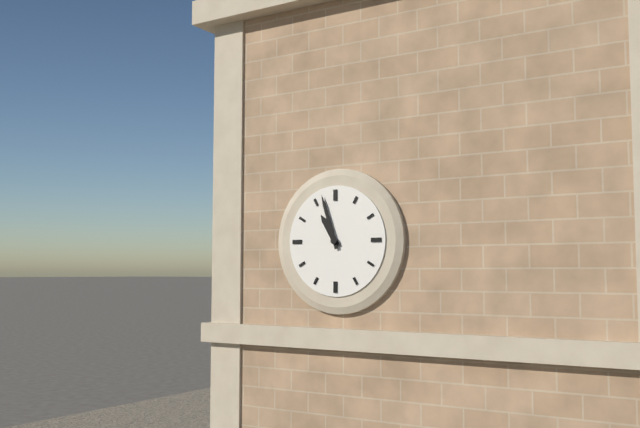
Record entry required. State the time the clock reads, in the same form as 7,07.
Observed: 10,57
